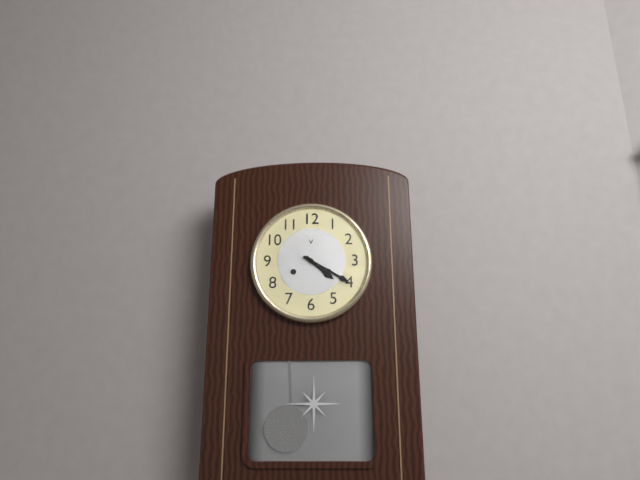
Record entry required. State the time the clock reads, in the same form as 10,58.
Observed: 4,20
